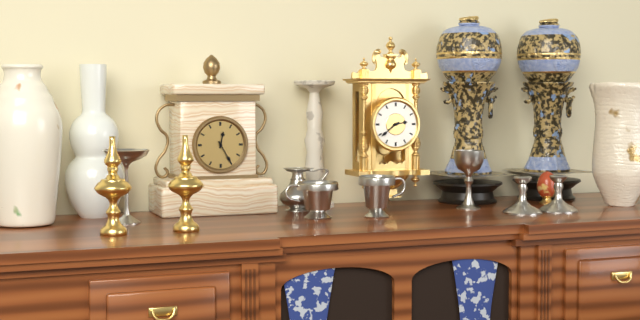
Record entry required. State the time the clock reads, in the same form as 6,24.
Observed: 2,39
